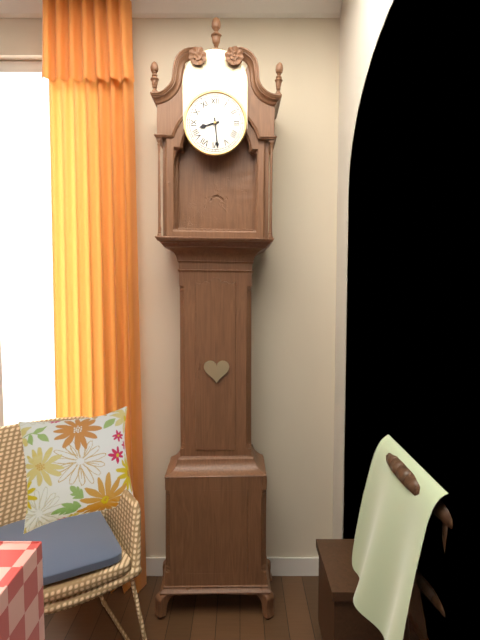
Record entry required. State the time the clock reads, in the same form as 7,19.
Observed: 8,29
